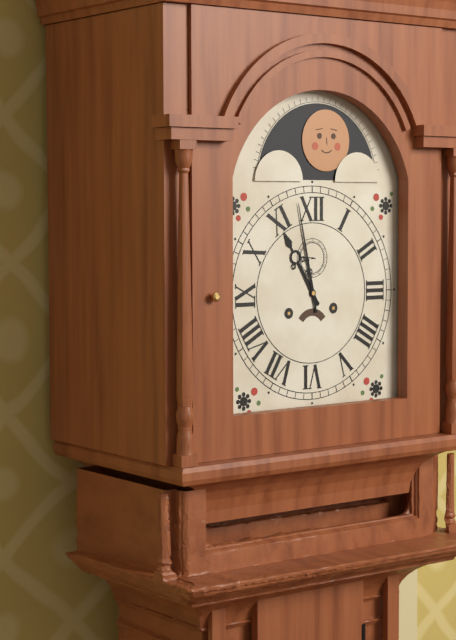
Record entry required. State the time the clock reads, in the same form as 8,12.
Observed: 10,58
